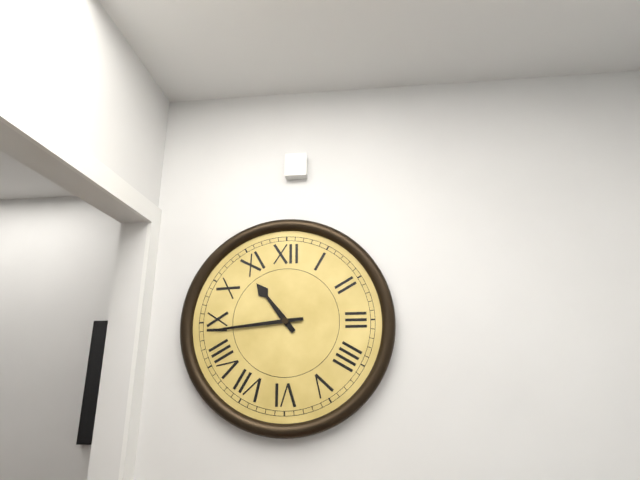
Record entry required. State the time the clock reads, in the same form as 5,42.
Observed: 10,44
